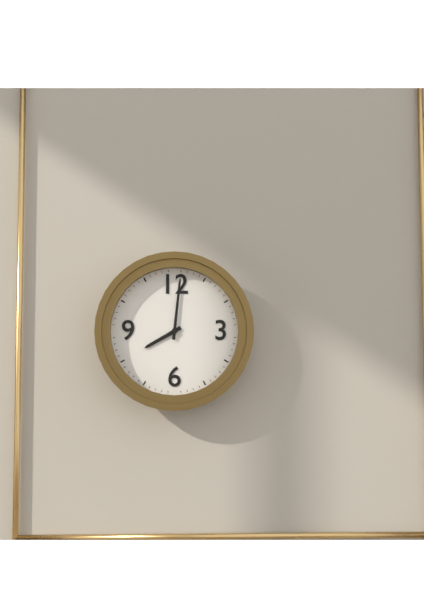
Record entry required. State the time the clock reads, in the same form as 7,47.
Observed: 8,01
